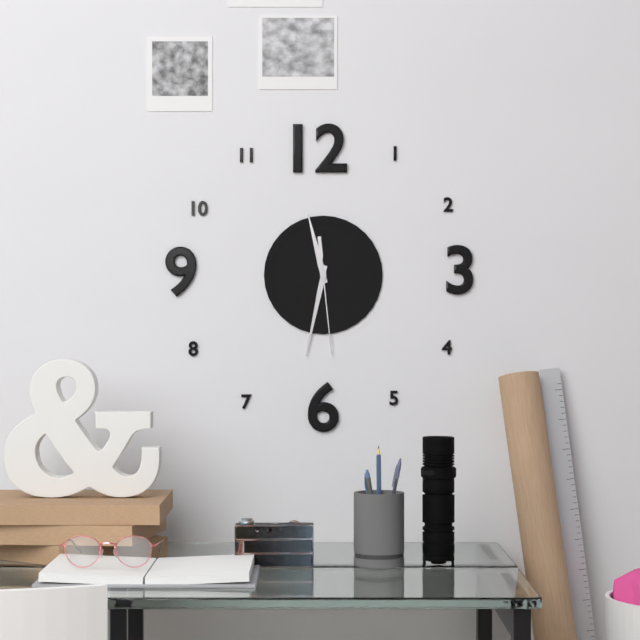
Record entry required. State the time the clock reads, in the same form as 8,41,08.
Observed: 11,32,29
